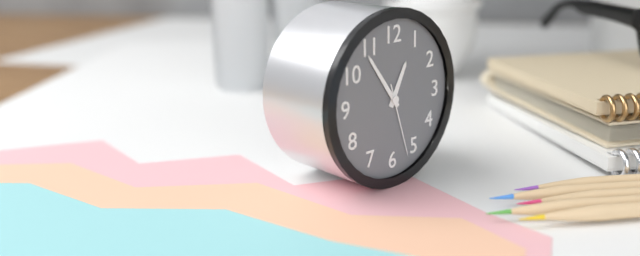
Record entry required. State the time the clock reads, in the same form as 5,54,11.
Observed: 12,54,27
